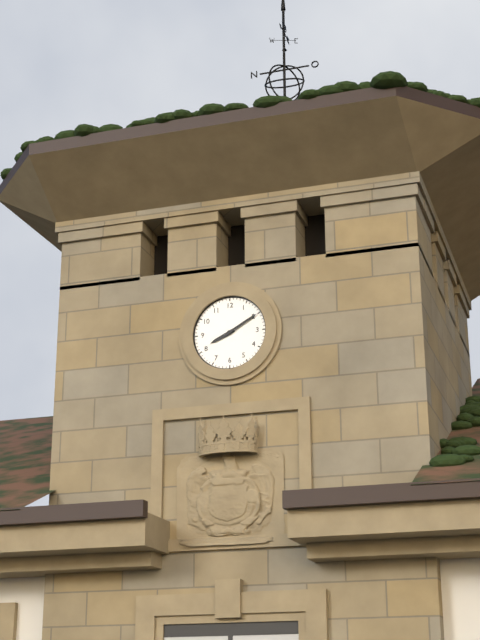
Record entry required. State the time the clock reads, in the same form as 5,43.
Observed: 8,10
